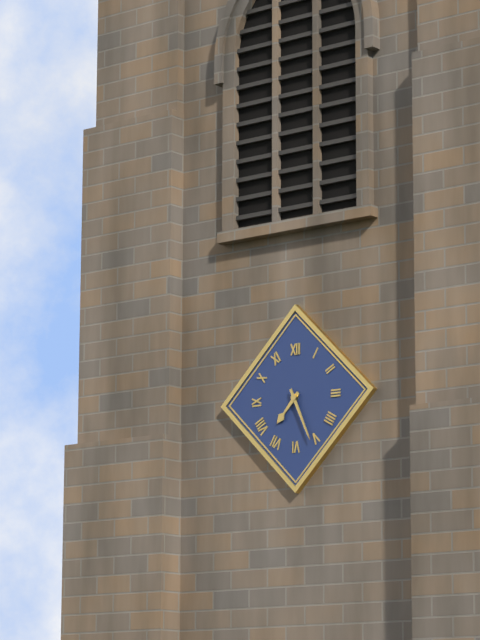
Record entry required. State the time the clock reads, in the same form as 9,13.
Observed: 7,26
